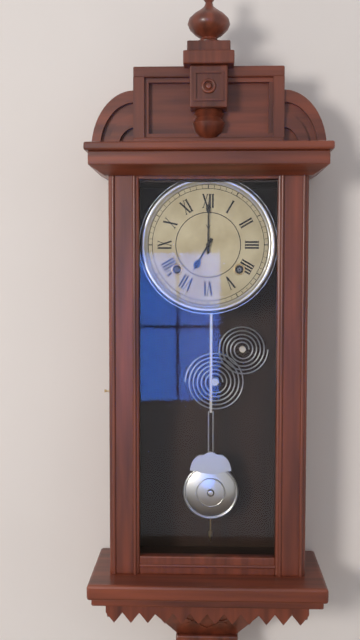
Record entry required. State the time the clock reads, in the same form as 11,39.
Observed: 7,00
